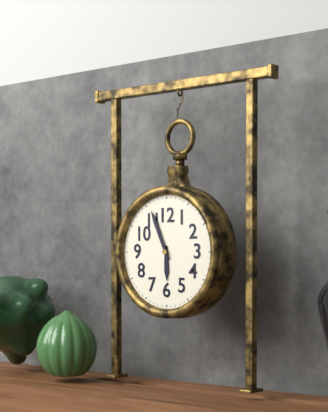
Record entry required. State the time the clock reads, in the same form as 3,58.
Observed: 5,56
